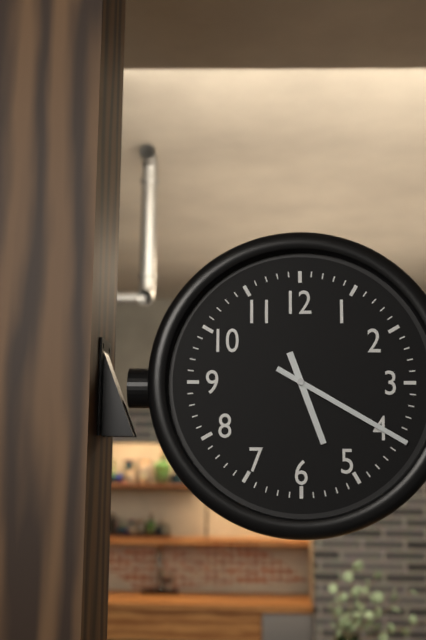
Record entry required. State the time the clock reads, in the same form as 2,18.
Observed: 5,20
